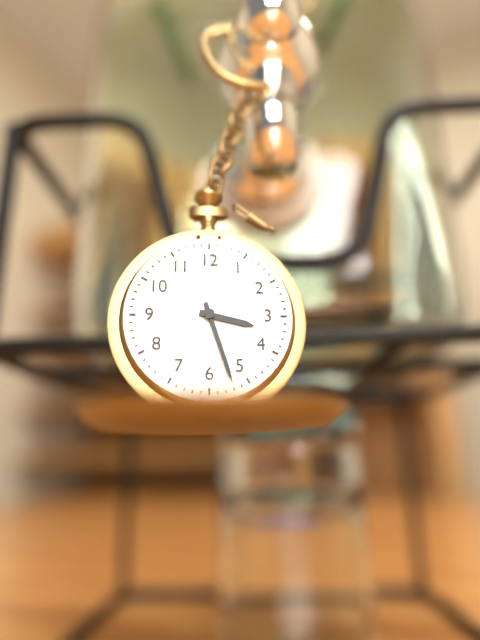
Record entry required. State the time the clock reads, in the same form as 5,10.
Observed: 3,27
